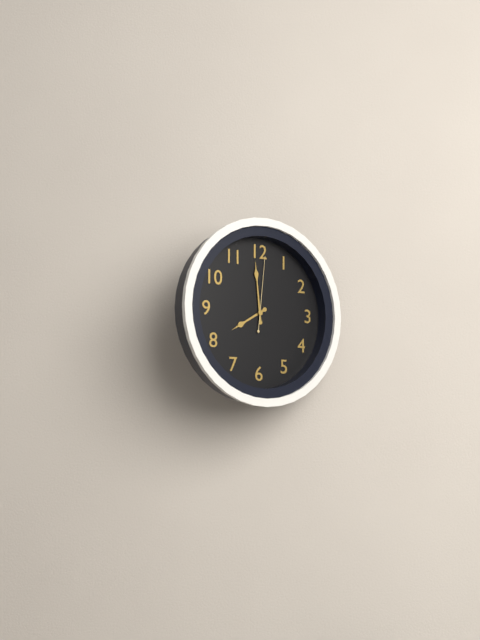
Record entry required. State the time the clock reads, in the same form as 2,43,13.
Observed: 7,59,01
